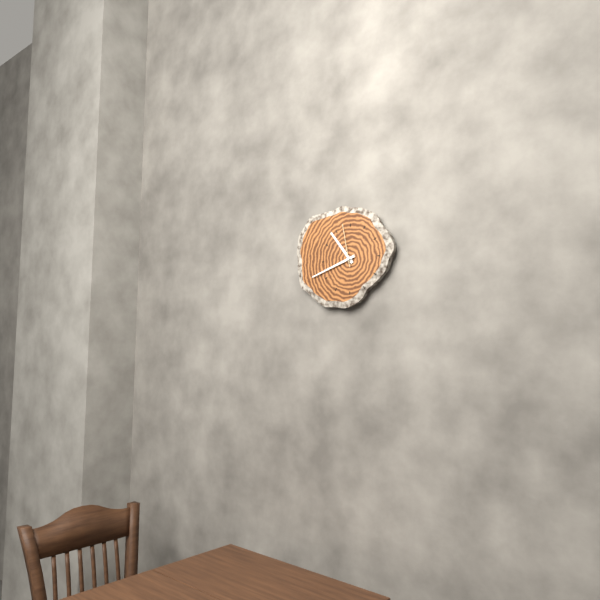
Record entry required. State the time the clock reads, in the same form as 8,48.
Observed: 10,42
